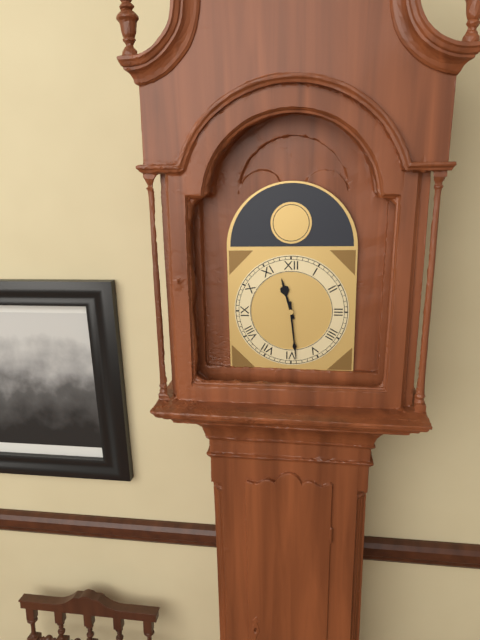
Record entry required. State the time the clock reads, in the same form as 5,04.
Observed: 11,29
